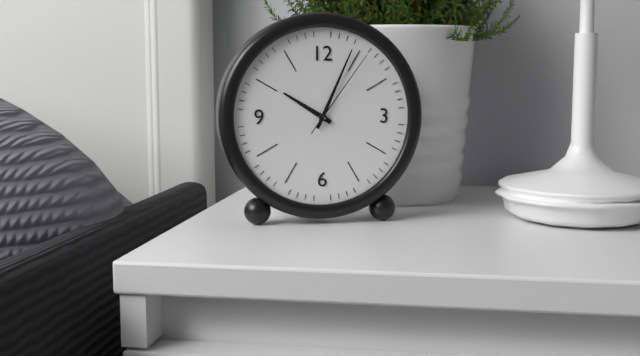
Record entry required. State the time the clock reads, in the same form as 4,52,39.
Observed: 10,04,06
